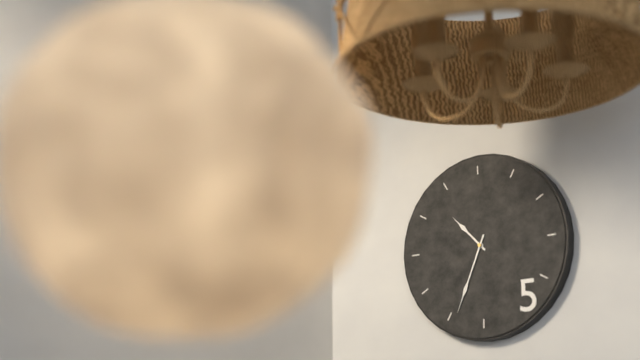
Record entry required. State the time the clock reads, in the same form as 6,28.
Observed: 10,34
